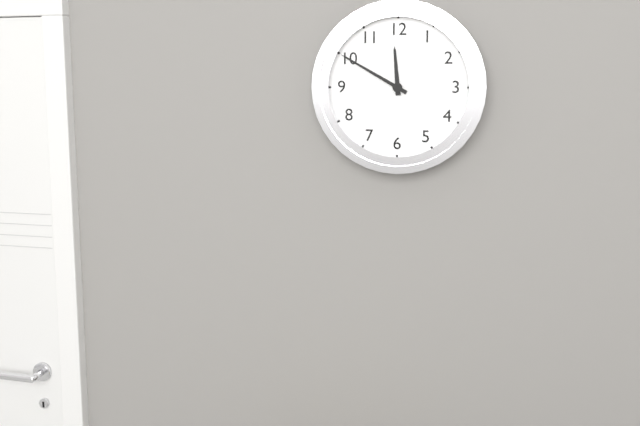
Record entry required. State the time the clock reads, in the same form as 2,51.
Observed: 11,50
